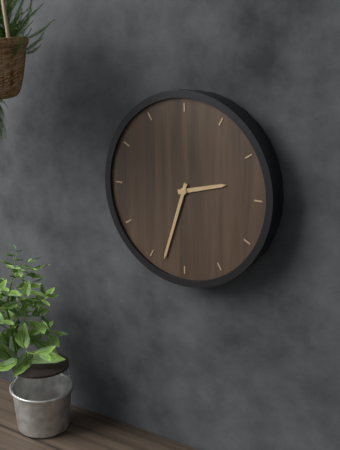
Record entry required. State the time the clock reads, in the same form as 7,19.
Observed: 2,33
